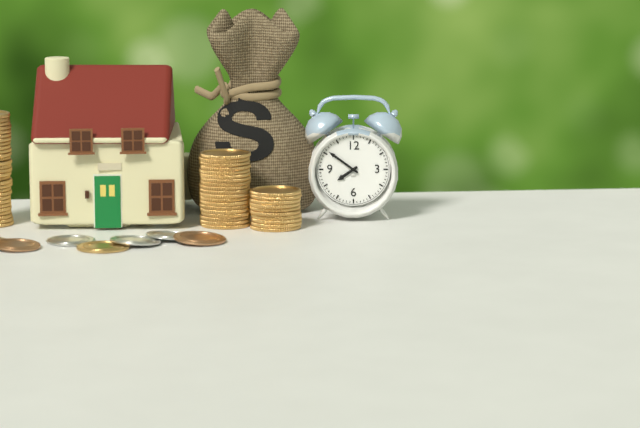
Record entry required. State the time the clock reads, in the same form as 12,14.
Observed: 7,51
